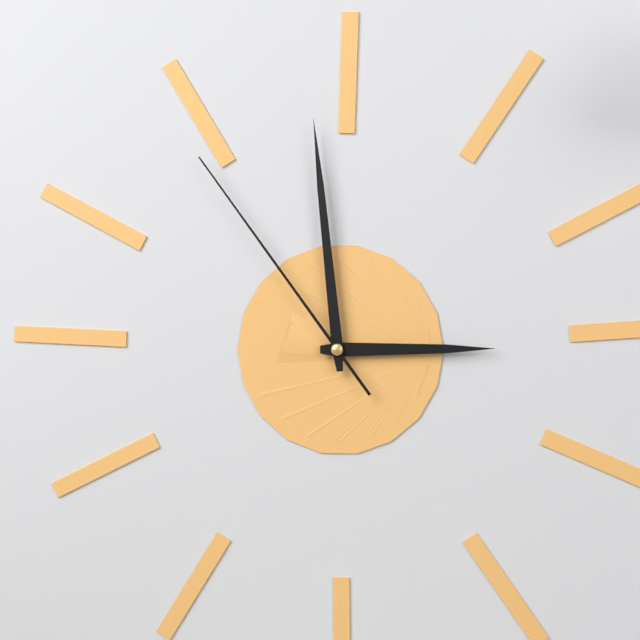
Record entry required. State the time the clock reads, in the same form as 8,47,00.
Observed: 2,59,54
